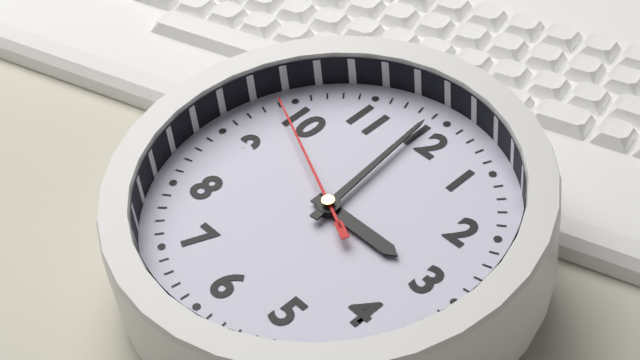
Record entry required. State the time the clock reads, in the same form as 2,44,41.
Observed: 2,59,49
